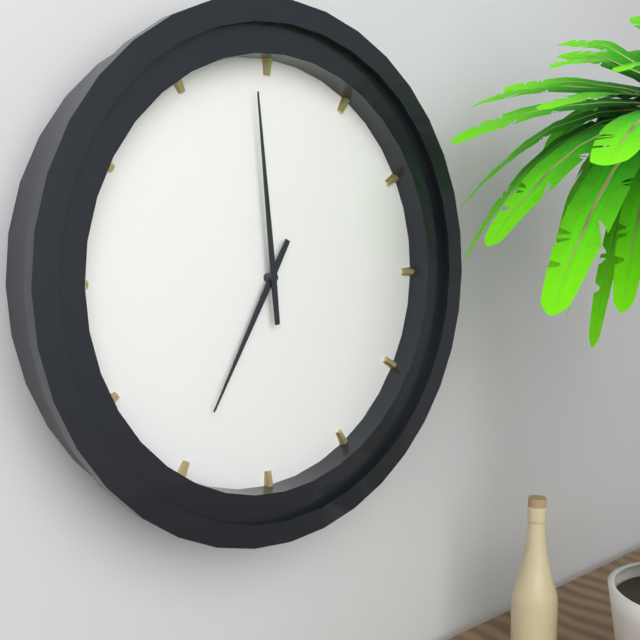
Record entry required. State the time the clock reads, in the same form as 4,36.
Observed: 6,59
